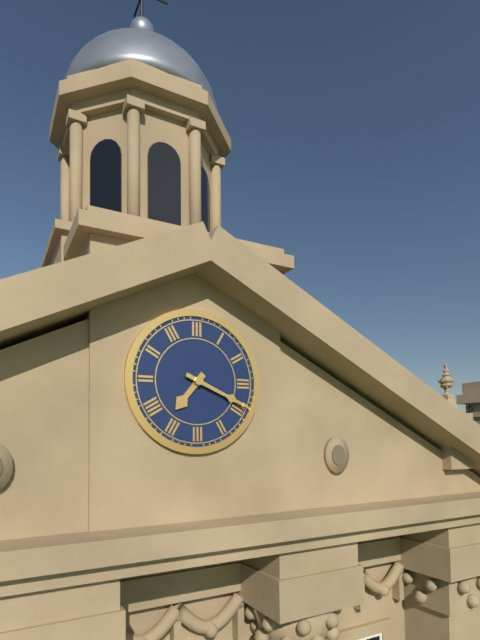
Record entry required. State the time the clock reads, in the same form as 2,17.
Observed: 7,19
